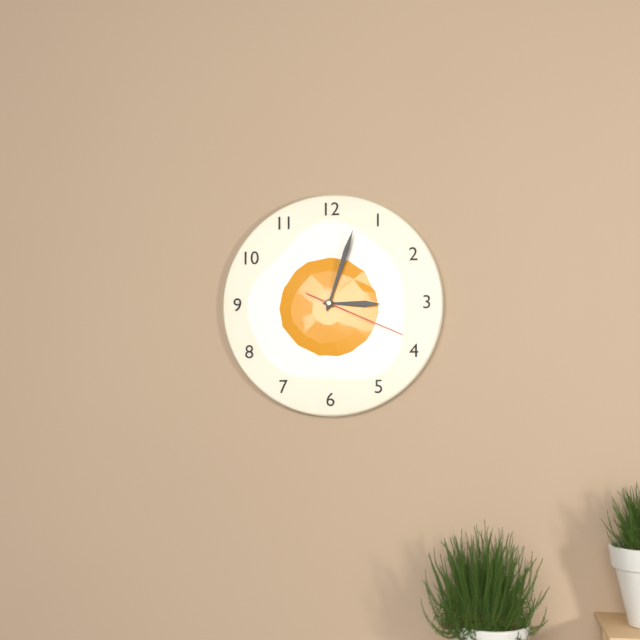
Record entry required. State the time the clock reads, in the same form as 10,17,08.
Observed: 3,03,19
